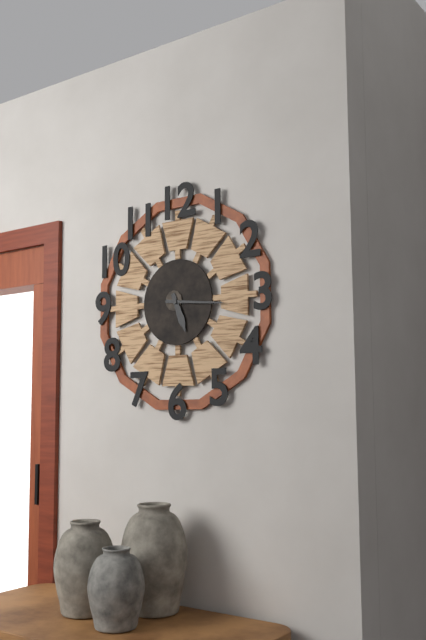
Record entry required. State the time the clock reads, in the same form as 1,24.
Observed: 5,16
